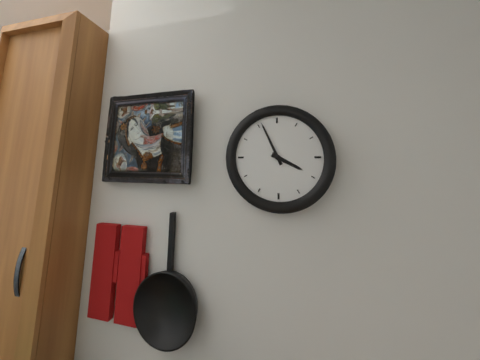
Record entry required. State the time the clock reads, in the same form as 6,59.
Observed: 3,56
